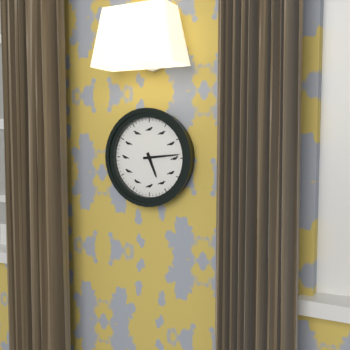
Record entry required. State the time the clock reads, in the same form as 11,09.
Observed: 5,14
